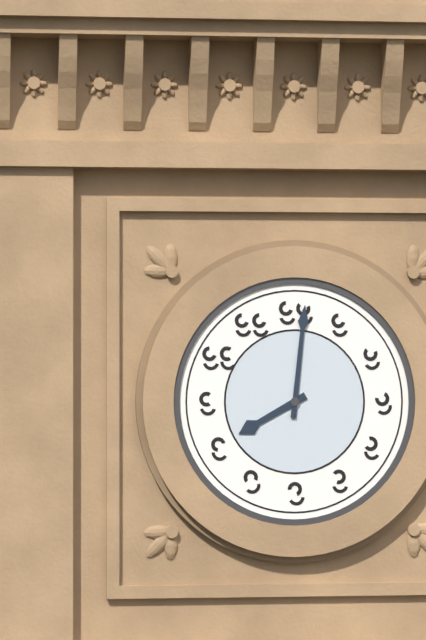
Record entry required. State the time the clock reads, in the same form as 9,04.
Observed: 8,01
